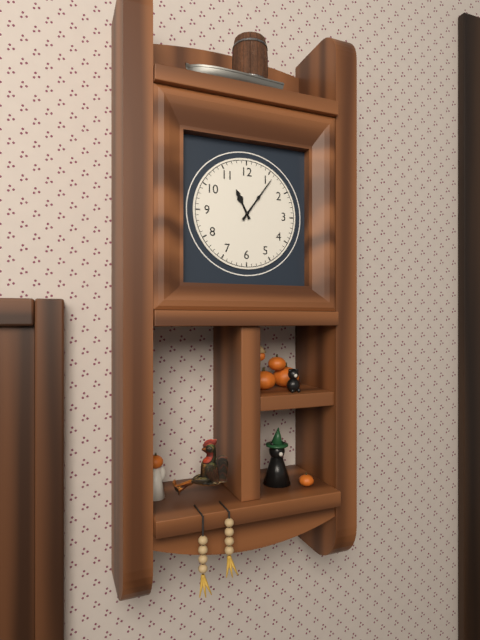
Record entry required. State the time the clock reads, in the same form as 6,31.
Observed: 11,06
